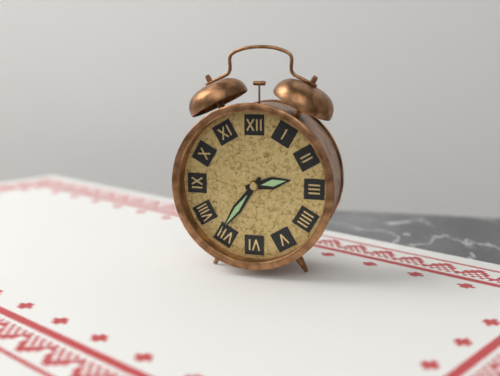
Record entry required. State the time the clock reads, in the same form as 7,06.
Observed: 2,36
